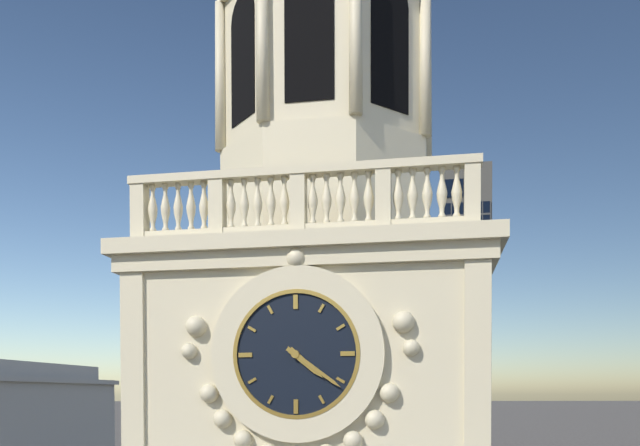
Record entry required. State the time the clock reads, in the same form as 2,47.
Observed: 4,21
